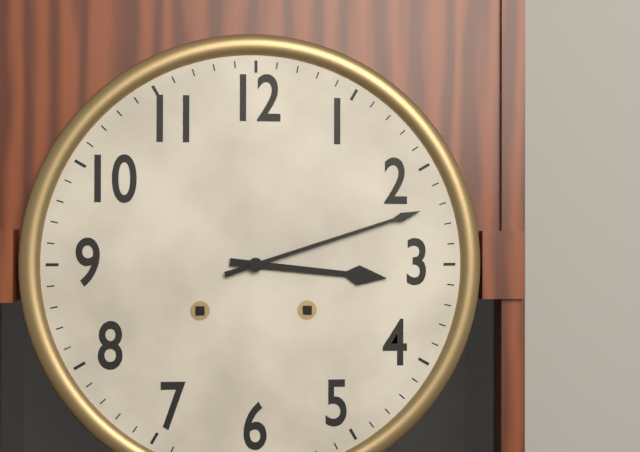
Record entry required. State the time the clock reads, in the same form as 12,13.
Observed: 3,12
